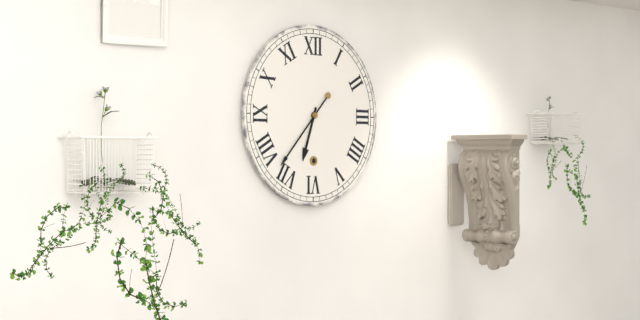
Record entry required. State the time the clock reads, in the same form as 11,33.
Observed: 6,37
